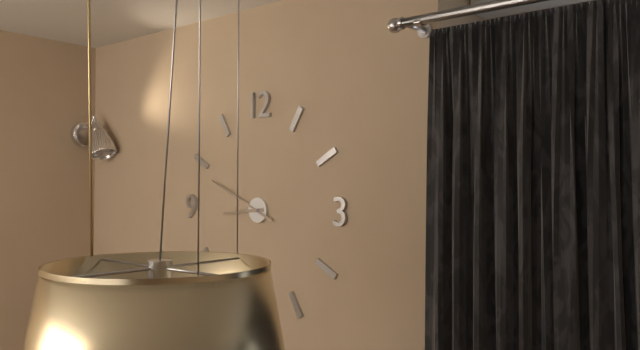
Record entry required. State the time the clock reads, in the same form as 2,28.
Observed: 8,49
